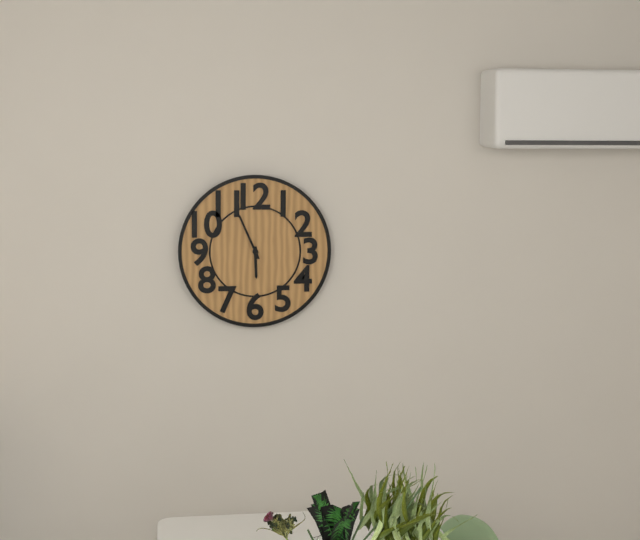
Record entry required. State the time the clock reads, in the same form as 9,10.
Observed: 5,56
